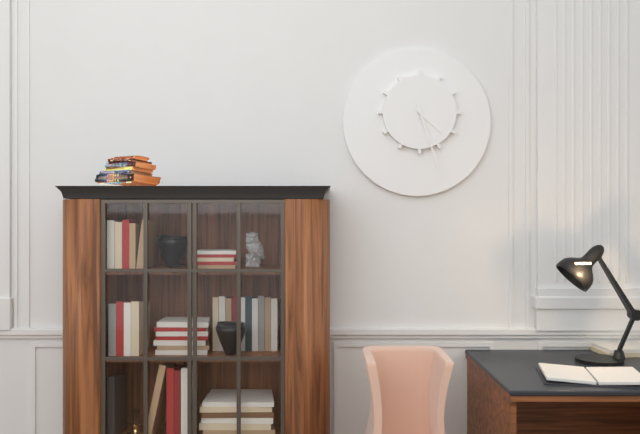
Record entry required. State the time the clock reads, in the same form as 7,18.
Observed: 4,27
